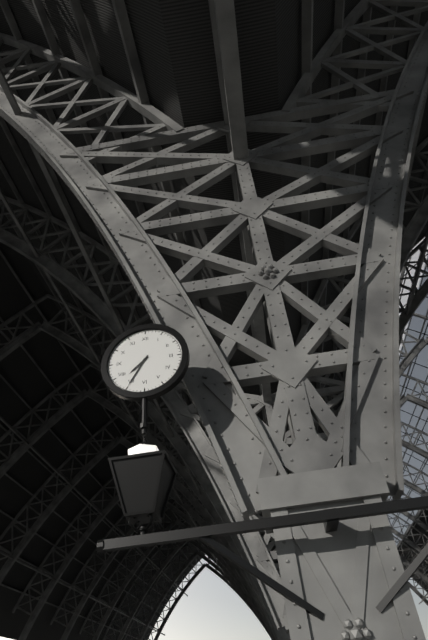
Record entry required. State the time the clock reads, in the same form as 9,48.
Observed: 7,35
